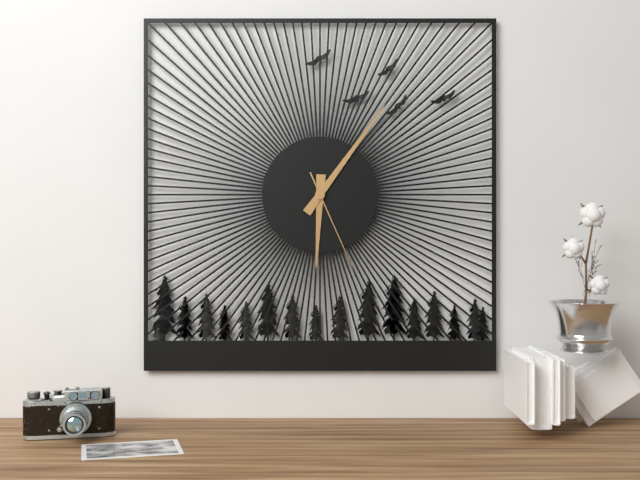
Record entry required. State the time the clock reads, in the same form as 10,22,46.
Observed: 6,06,26
